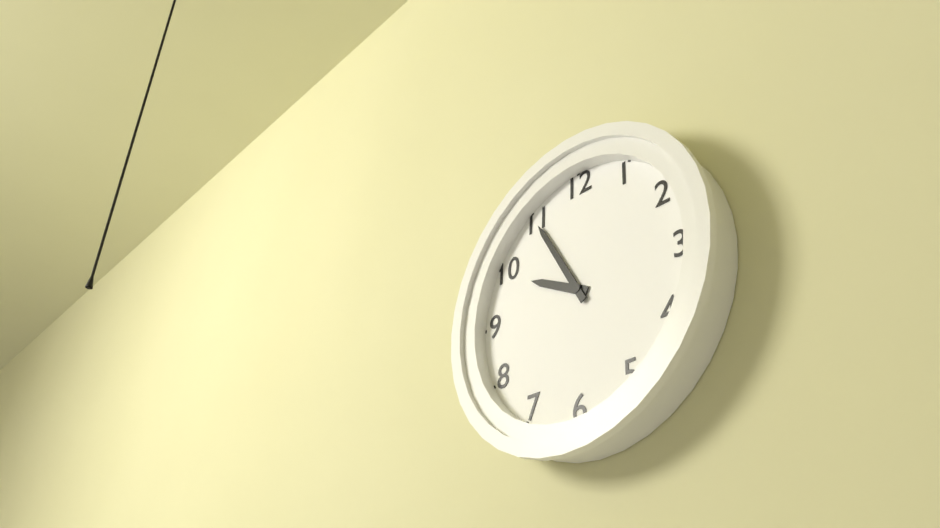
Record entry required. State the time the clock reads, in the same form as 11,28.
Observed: 9,55
